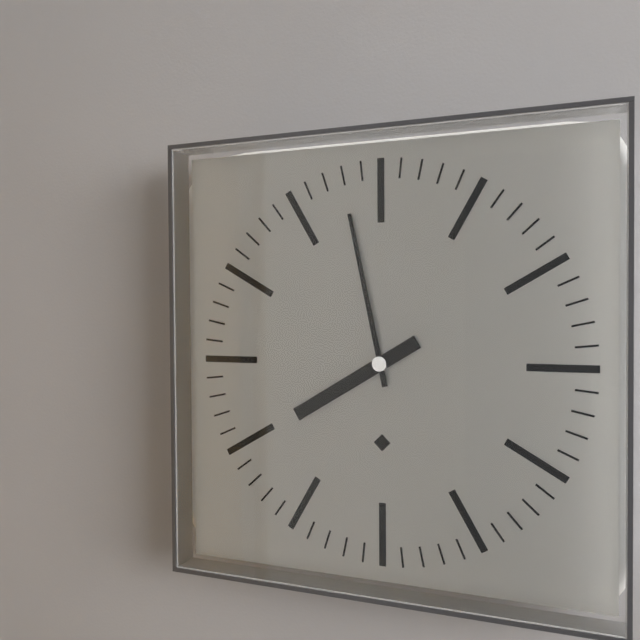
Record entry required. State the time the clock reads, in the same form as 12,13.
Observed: 7,58
